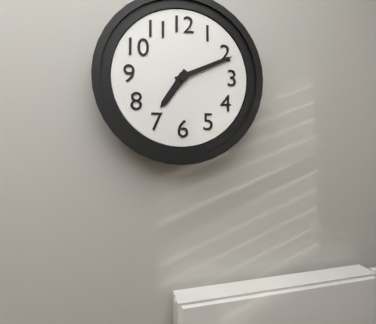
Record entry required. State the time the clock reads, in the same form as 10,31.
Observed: 7,11
